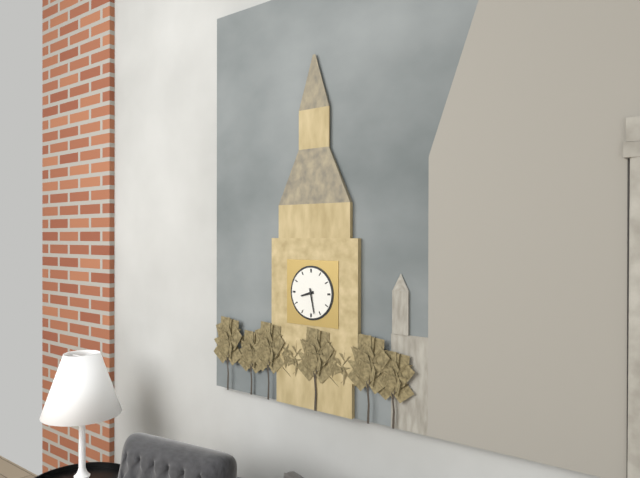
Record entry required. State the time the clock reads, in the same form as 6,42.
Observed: 8,28
